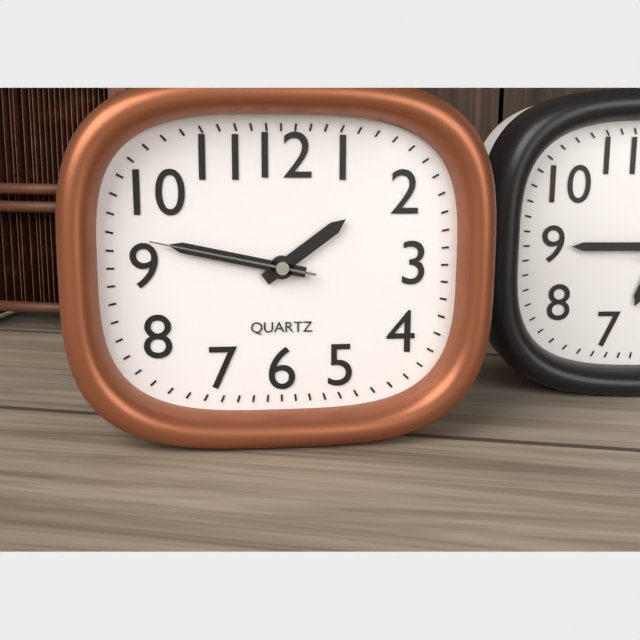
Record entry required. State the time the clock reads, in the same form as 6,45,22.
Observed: 1,47,47
